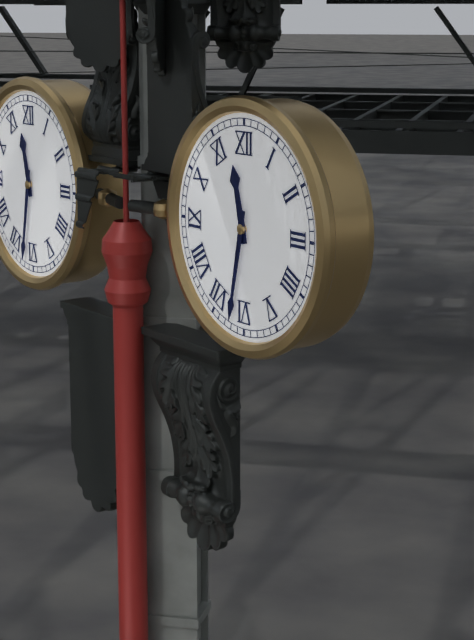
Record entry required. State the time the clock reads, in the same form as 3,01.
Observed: 11,32
